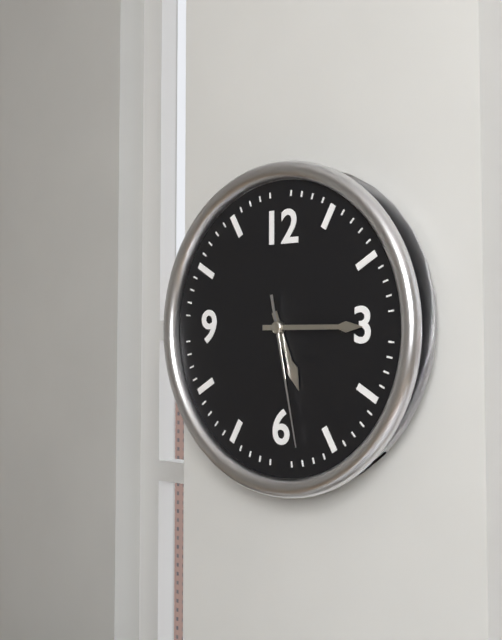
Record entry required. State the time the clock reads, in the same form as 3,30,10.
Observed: 5,15,28
